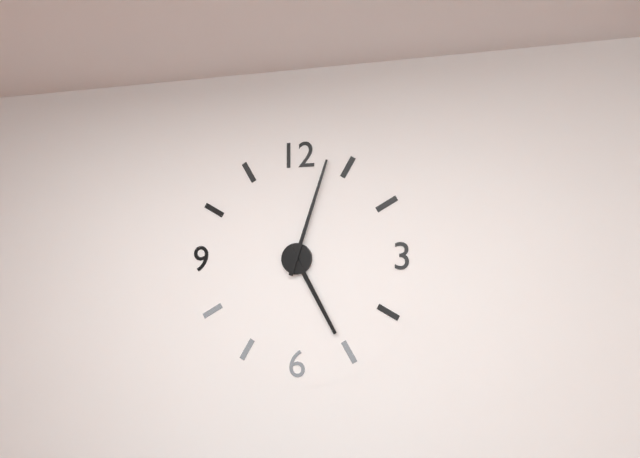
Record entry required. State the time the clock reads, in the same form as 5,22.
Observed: 5,03
